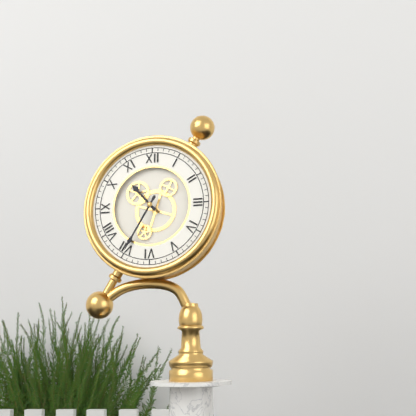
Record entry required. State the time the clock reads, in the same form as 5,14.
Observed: 10,35
